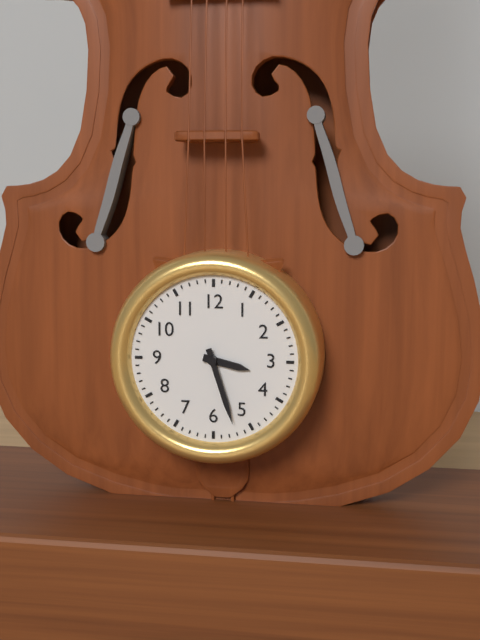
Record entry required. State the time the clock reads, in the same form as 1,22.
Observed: 3,27
